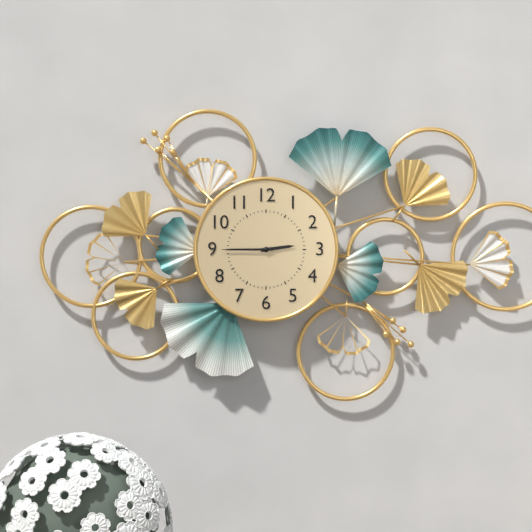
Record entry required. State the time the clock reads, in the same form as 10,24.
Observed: 2,45
